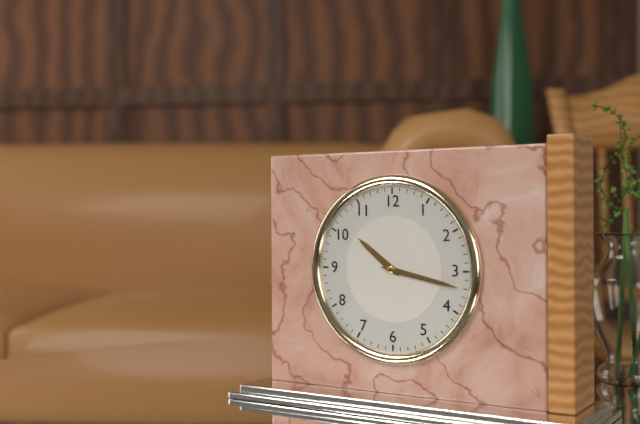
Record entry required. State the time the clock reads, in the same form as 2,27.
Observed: 10,17
